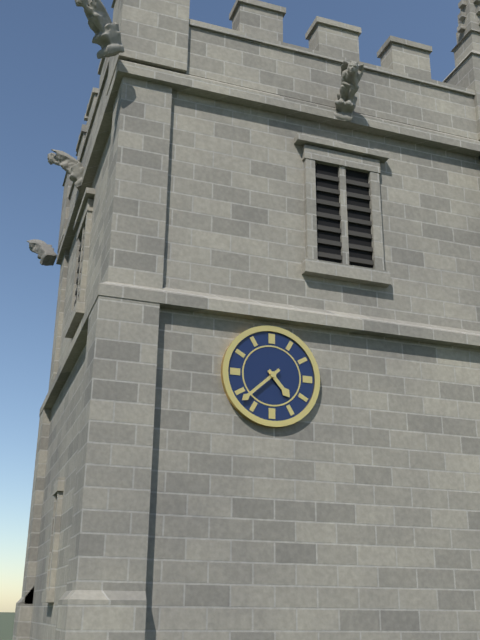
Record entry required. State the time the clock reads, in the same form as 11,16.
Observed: 4,38
